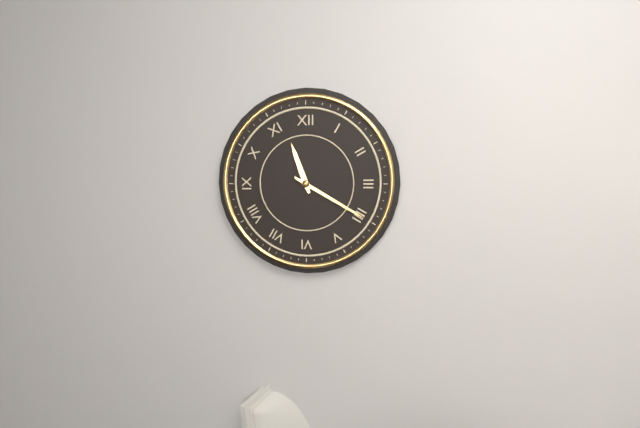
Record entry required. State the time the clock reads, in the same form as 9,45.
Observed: 11,20
